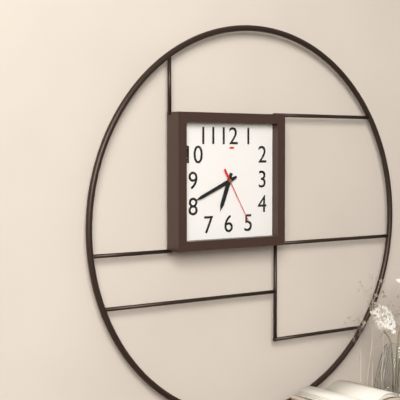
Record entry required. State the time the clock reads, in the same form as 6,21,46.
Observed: 6,41,25
